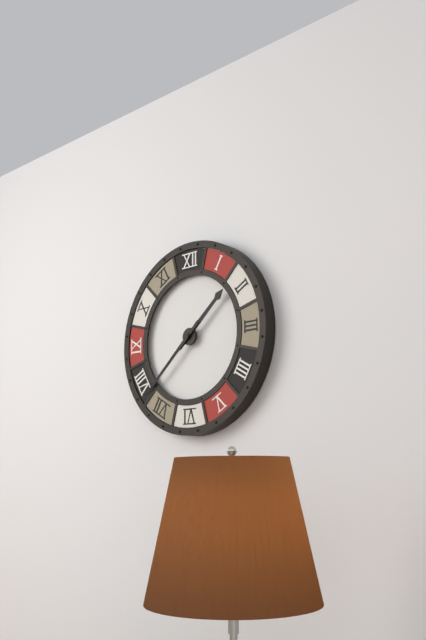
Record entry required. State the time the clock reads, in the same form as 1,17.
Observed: 1,38
